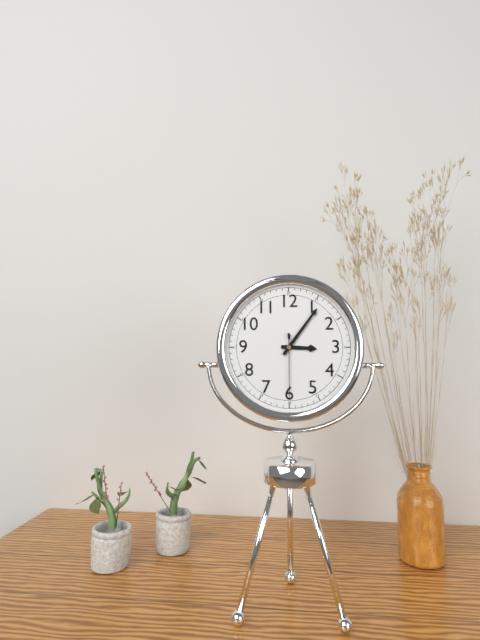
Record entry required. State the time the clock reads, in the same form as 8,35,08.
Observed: 3,06,30
